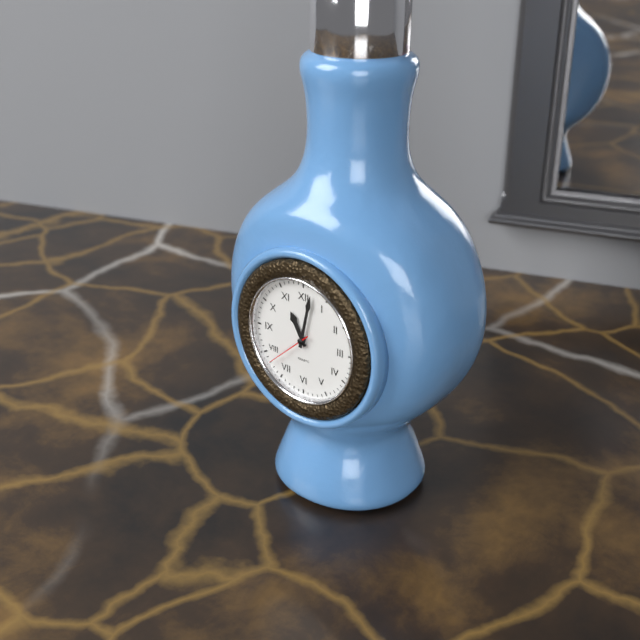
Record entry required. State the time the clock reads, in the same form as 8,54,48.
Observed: 11,02,38
